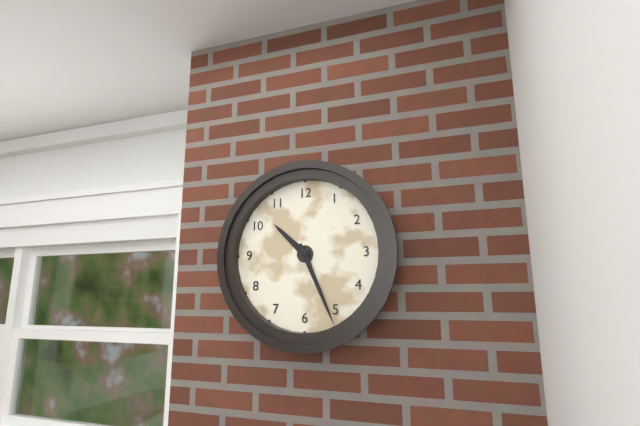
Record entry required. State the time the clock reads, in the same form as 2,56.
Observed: 10,26
